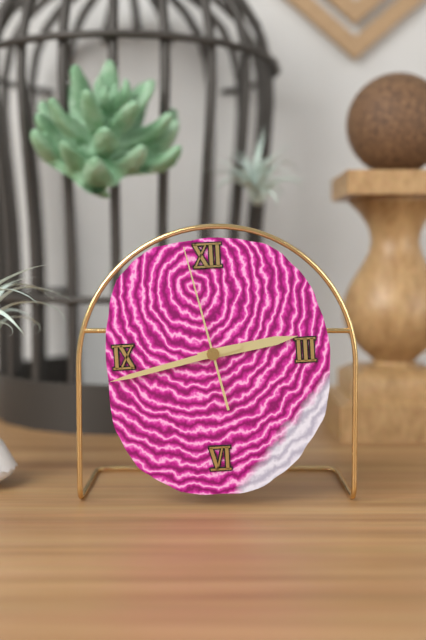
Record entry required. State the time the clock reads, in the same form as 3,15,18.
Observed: 2,43,58
